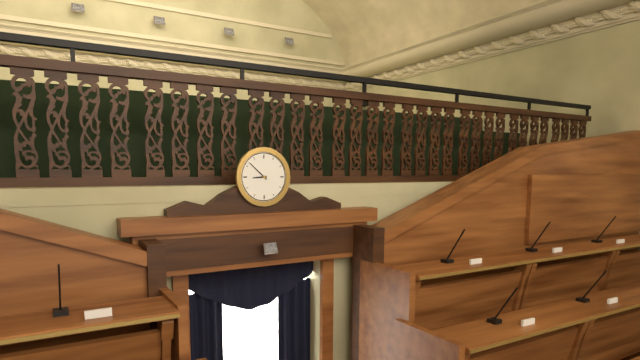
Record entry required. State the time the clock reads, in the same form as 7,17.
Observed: 8,52
